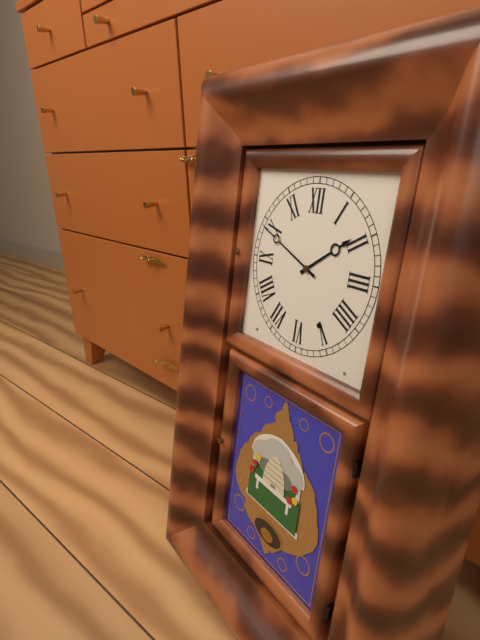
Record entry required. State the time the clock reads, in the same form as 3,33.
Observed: 1,49
